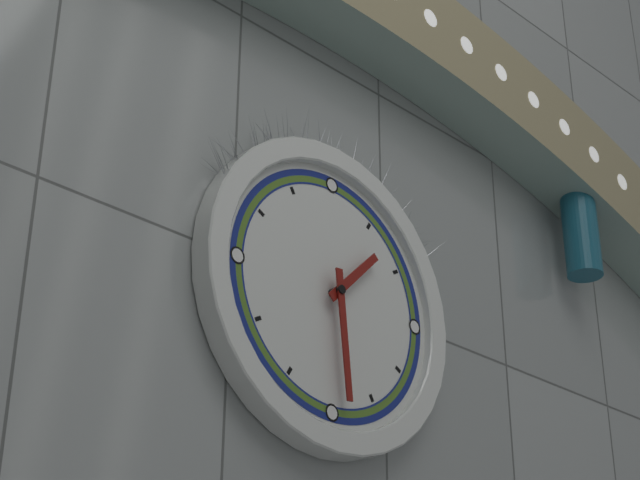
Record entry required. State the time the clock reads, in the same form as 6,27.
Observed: 1,29
